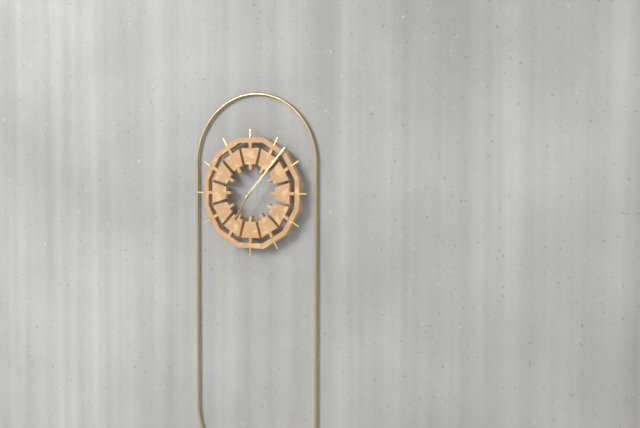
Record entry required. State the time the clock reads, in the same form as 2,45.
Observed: 7,07
